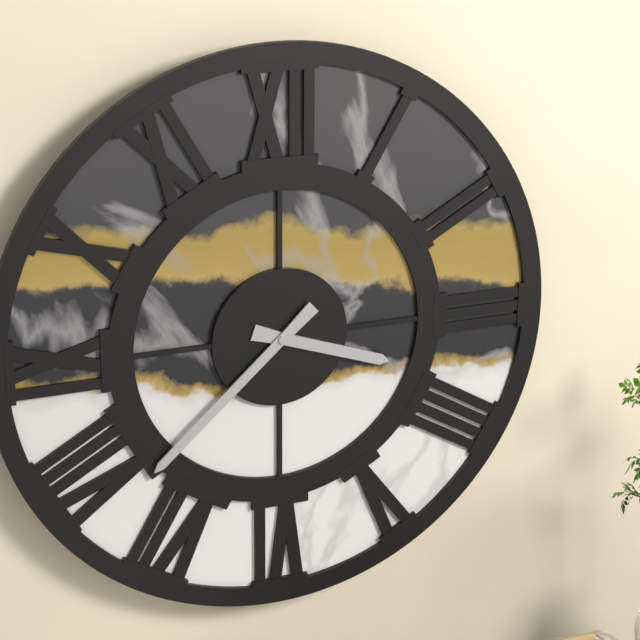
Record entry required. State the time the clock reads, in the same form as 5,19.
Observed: 3,38
